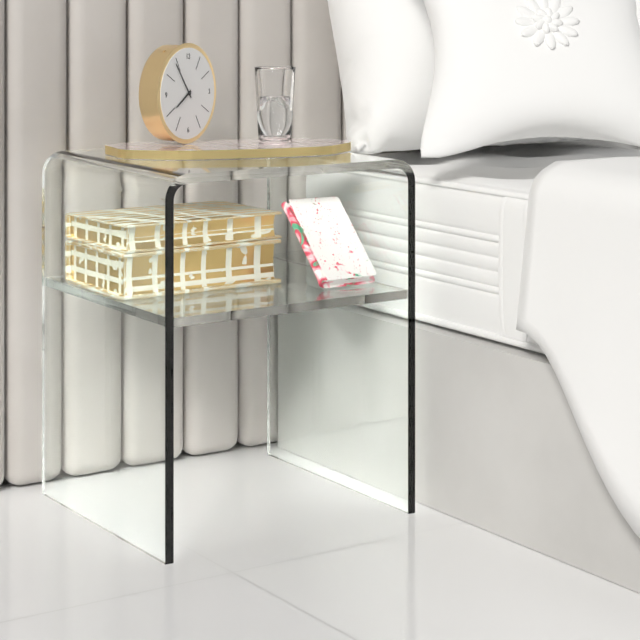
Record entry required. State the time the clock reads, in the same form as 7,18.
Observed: 7,54
